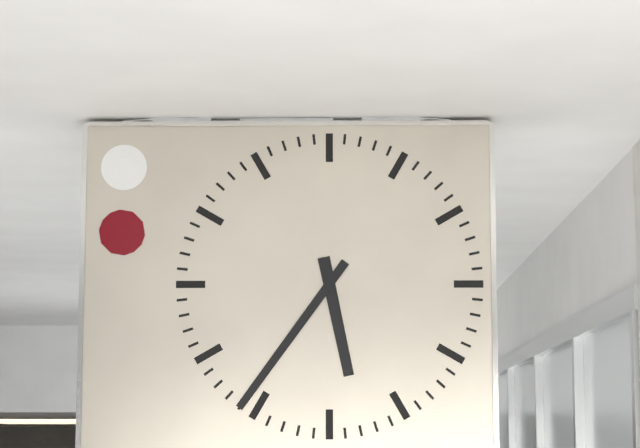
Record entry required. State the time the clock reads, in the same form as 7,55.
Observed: 5,36
